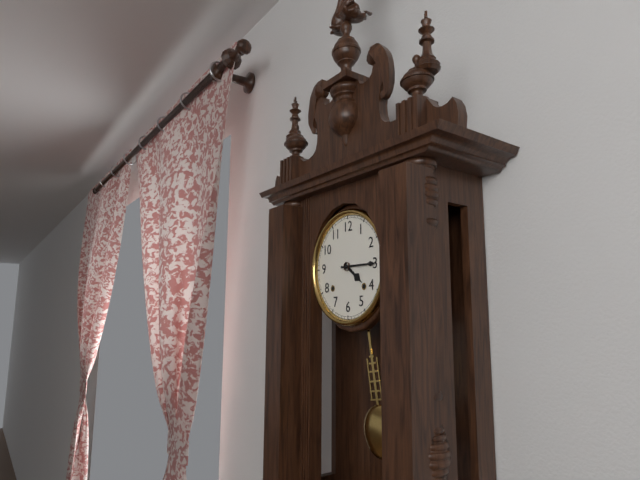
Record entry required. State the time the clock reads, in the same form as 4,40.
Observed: 4,15
